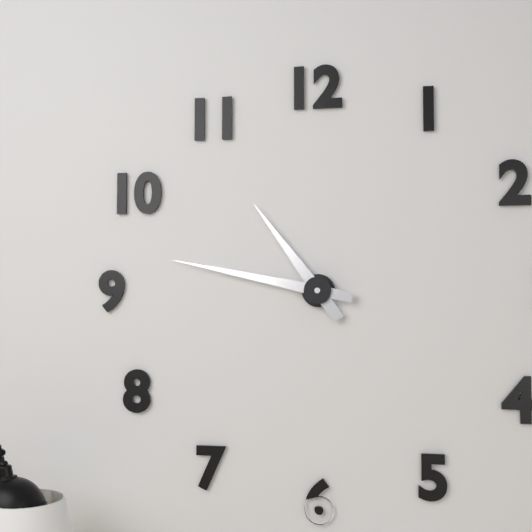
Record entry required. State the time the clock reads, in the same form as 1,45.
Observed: 10,47
